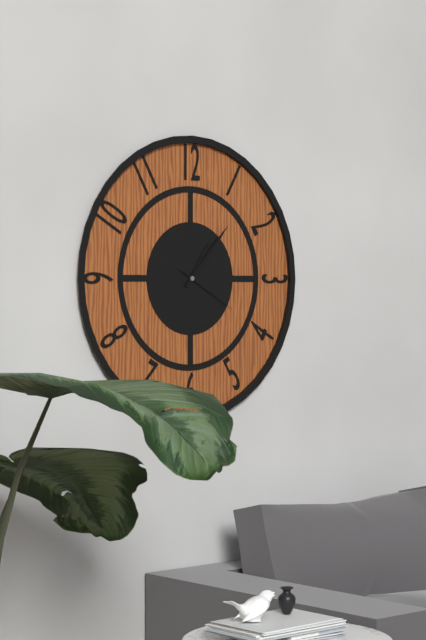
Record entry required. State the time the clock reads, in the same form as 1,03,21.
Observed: 1,07,20
